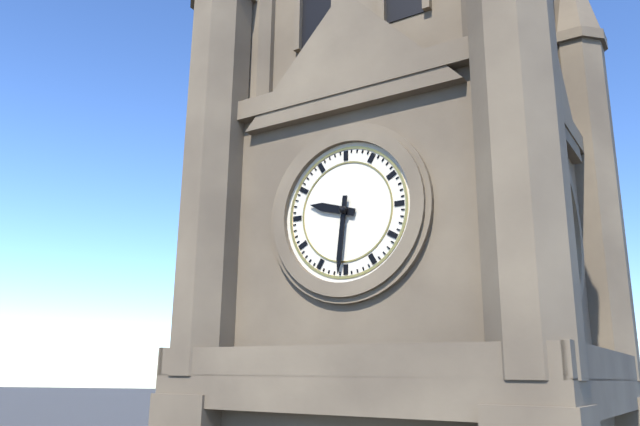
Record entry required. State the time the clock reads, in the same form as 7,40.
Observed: 9,31
